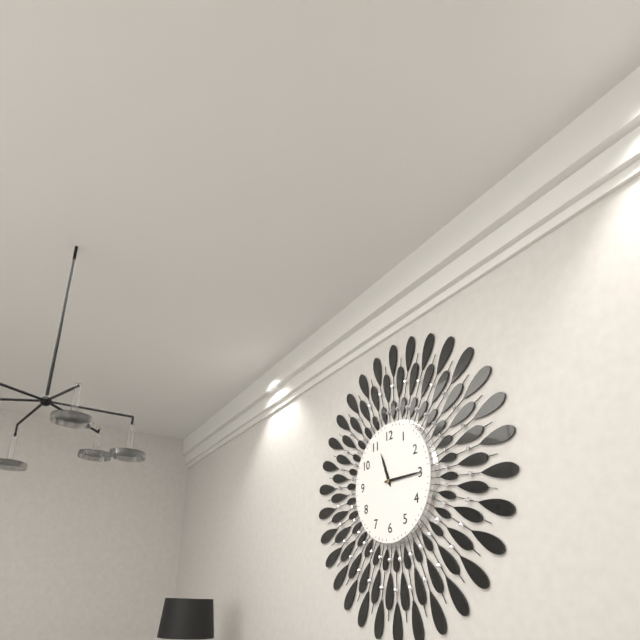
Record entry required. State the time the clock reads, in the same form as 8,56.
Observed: 11,15
